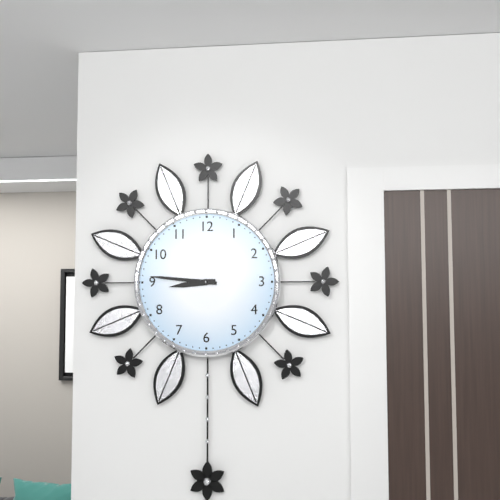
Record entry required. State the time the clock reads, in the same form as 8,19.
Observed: 8,46
